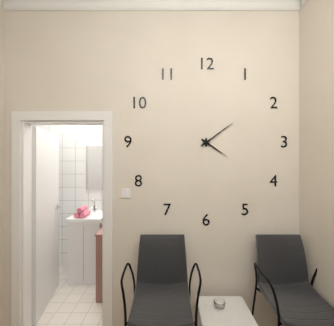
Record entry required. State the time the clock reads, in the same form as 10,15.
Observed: 4,09
